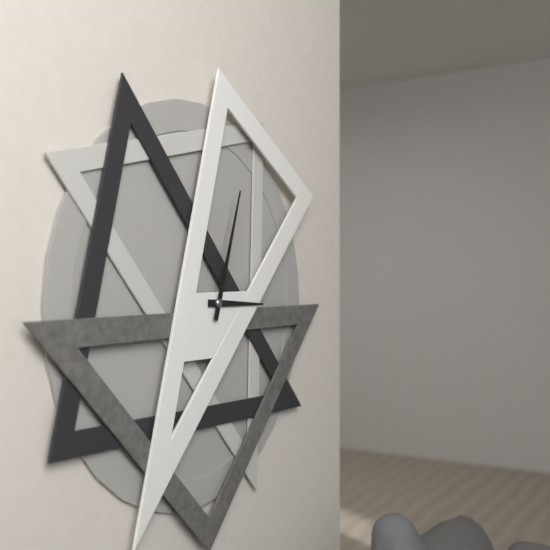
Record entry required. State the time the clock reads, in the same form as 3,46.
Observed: 3,03
